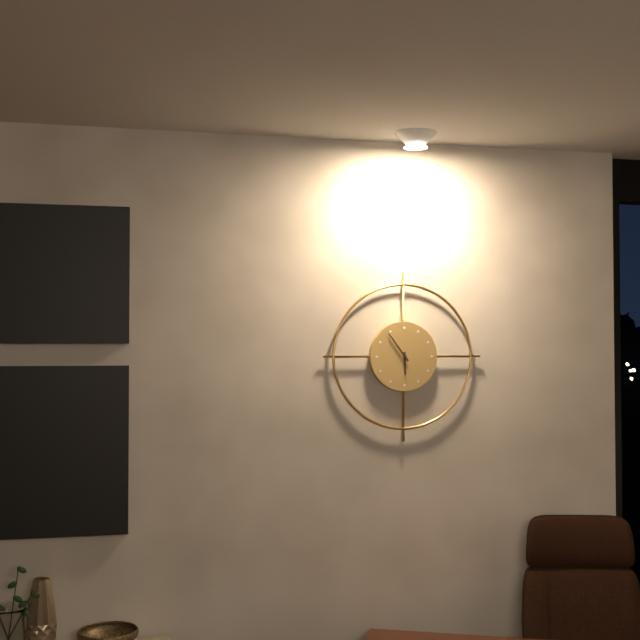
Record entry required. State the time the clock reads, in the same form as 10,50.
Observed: 5,54
